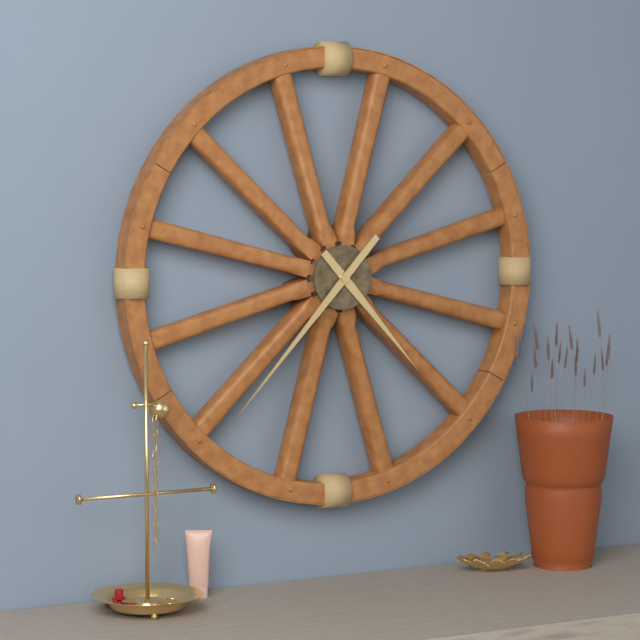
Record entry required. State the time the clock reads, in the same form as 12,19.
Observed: 4,37
